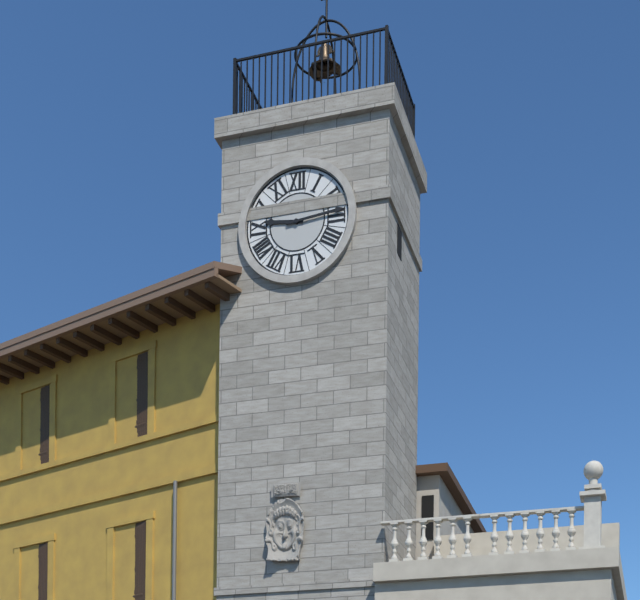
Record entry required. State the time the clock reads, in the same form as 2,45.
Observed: 9,14
